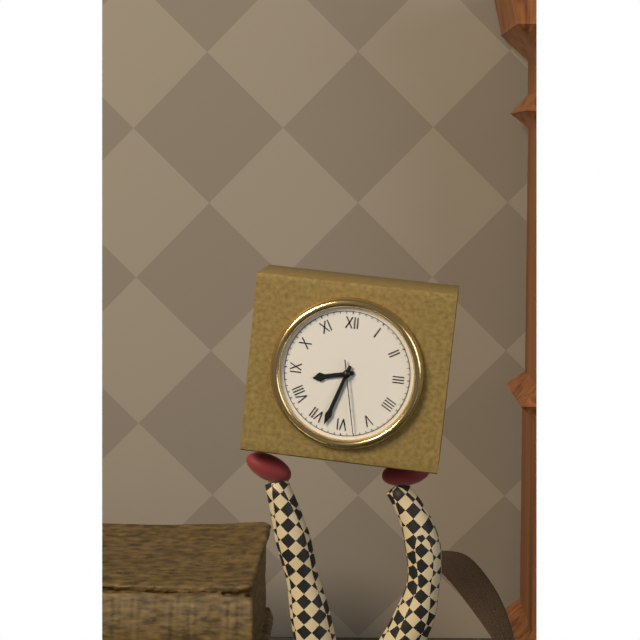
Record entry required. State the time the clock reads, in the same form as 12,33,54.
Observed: 8,33,28
